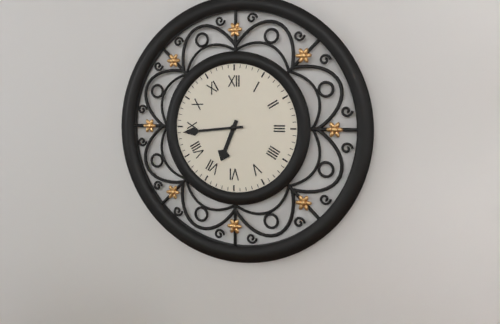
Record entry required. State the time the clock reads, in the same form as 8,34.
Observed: 6,44
